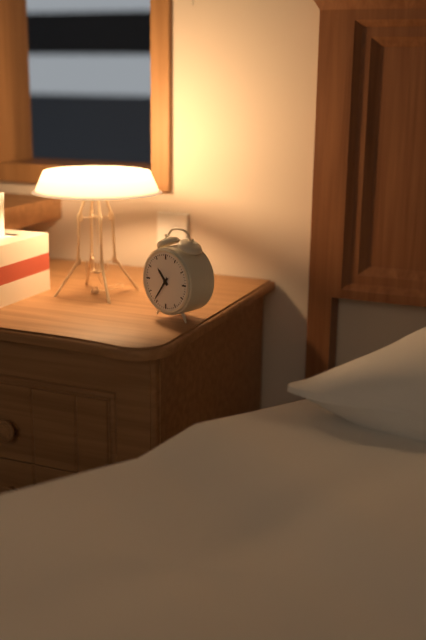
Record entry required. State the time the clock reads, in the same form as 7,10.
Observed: 10,36
